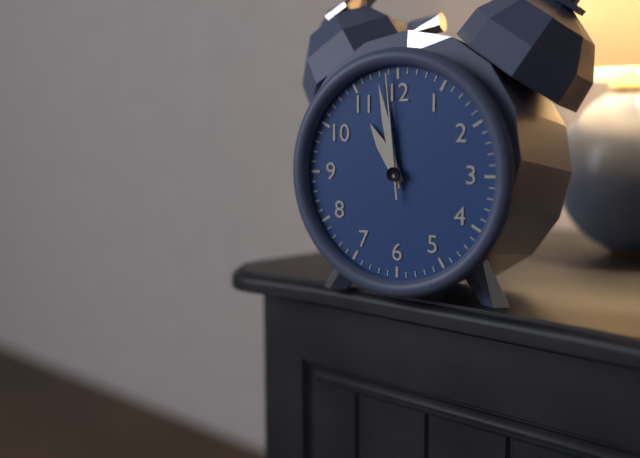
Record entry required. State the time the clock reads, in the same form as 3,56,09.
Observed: 10,58,59
